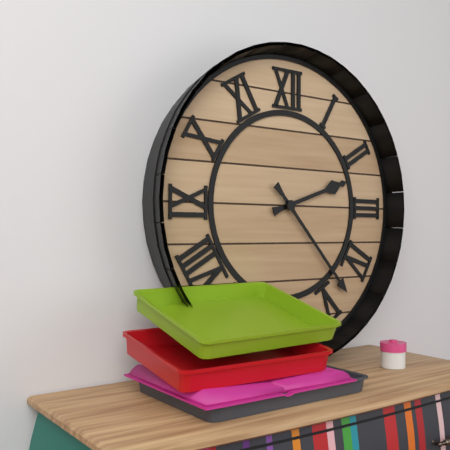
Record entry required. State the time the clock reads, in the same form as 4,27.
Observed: 2,23
